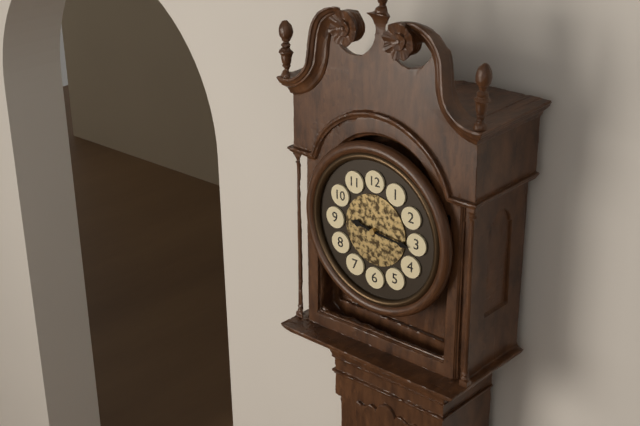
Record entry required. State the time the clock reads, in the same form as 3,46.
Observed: 9,16
